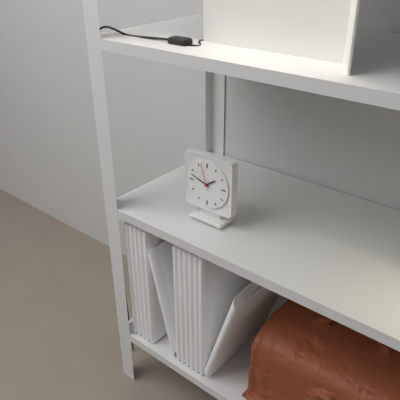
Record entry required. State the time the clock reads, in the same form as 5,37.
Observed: 1,48
